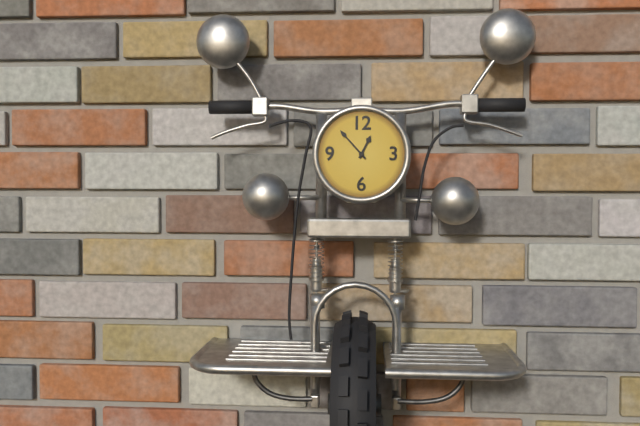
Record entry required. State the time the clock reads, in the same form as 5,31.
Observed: 12,53
